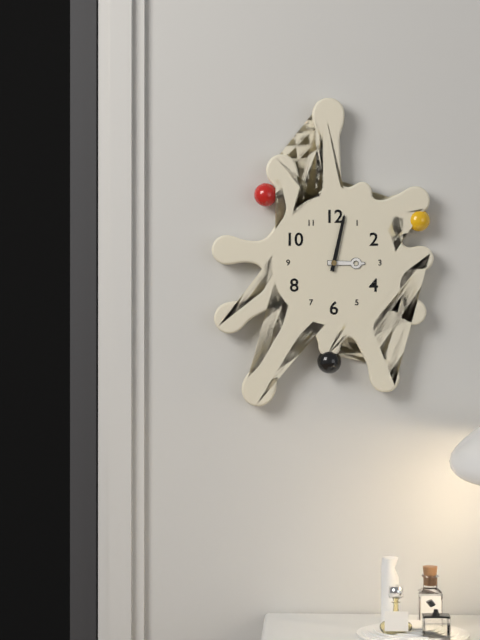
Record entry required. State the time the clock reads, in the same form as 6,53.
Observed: 3,02
